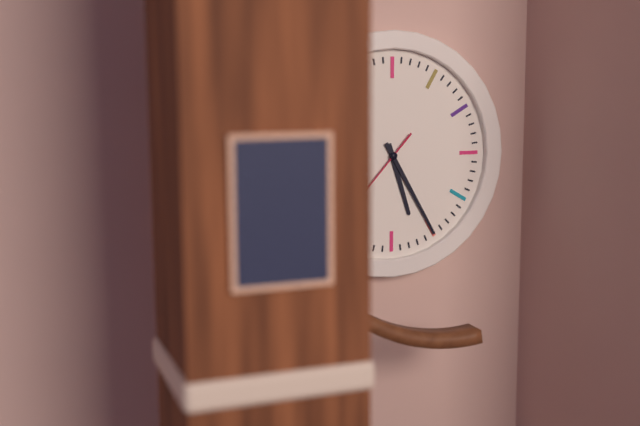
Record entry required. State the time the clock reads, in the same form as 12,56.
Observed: 5,25
